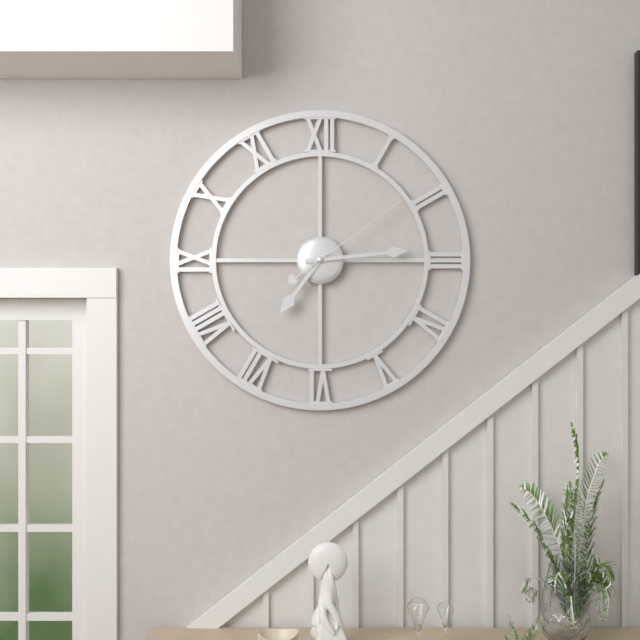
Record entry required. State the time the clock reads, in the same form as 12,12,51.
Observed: 7,14,09
